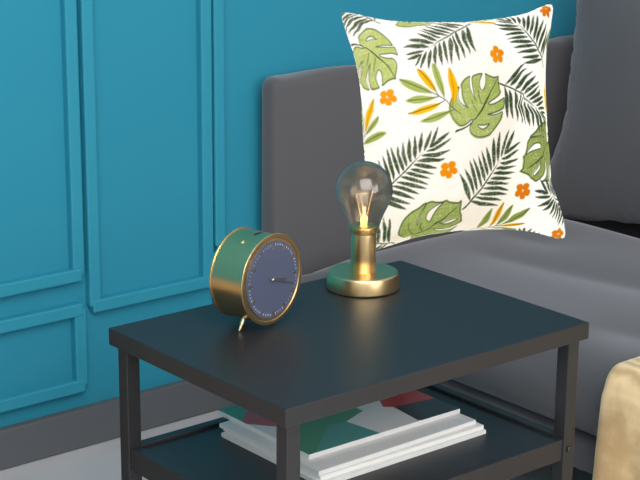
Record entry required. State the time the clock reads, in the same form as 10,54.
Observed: 3,18
